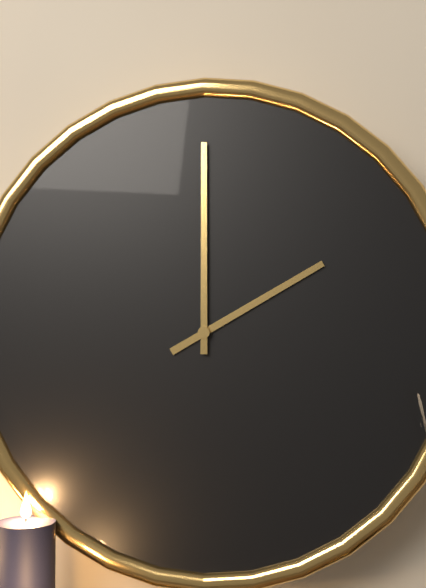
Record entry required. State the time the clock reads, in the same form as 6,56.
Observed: 2,00
